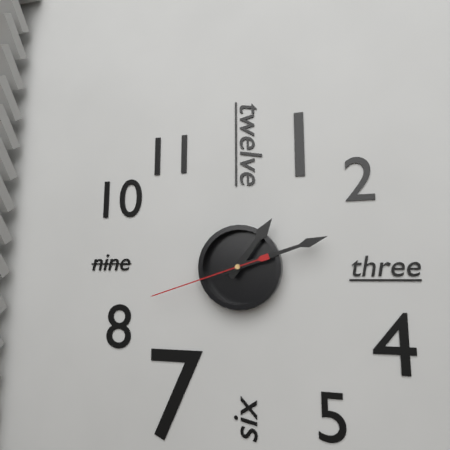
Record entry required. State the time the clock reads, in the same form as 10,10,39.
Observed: 1,12,42
